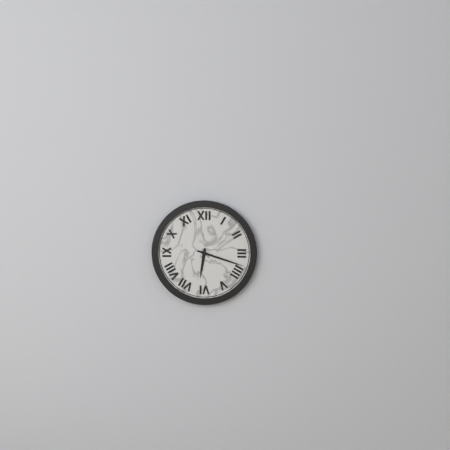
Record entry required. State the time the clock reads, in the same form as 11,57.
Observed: 6,18
